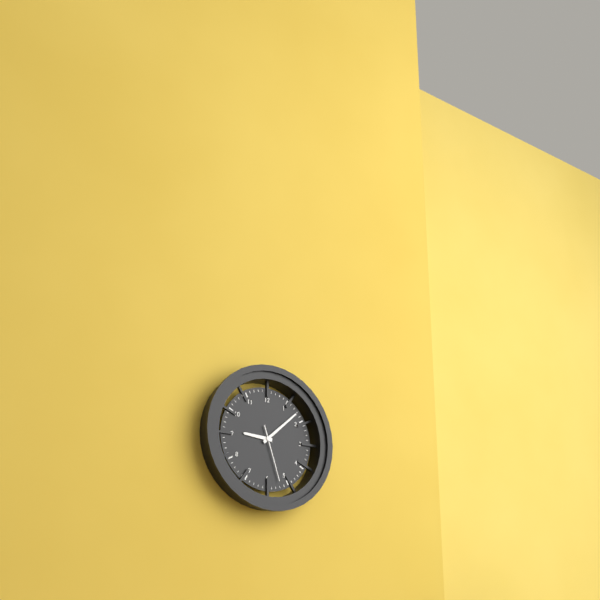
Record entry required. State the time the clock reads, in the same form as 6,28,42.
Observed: 9,08,27
